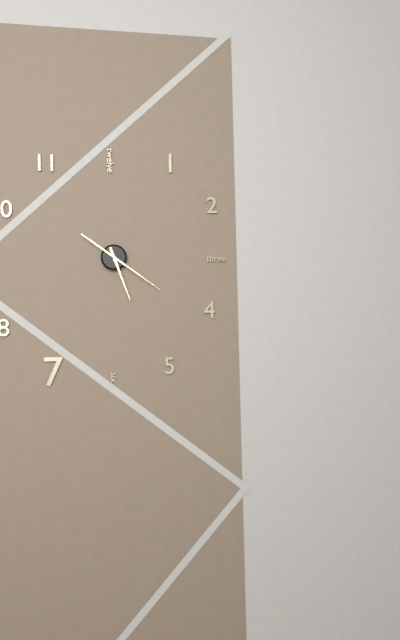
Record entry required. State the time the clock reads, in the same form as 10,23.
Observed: 5,21
